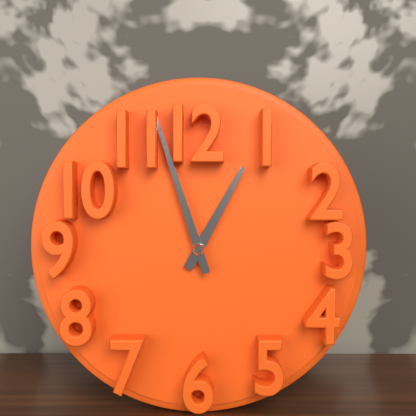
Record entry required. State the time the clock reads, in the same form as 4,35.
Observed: 12,57
